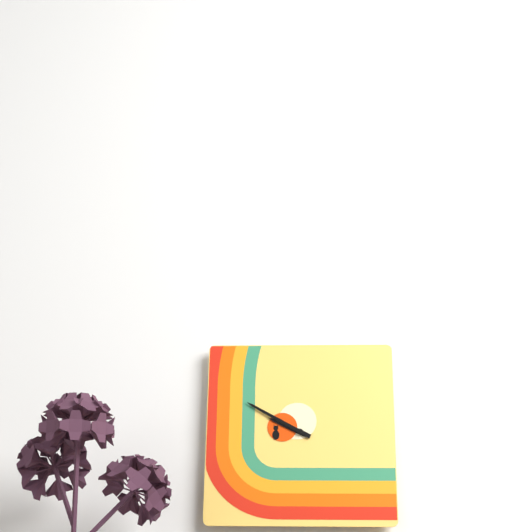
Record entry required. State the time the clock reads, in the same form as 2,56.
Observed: 9,50
